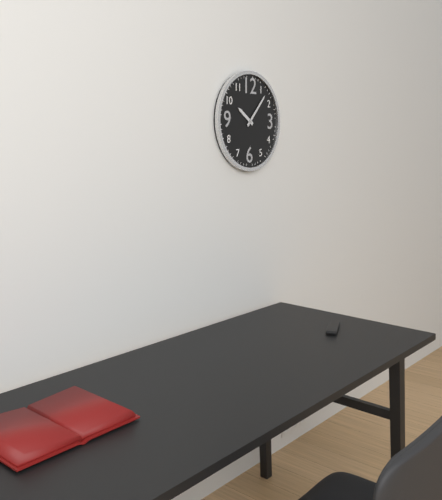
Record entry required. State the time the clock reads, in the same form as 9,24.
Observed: 10,07
